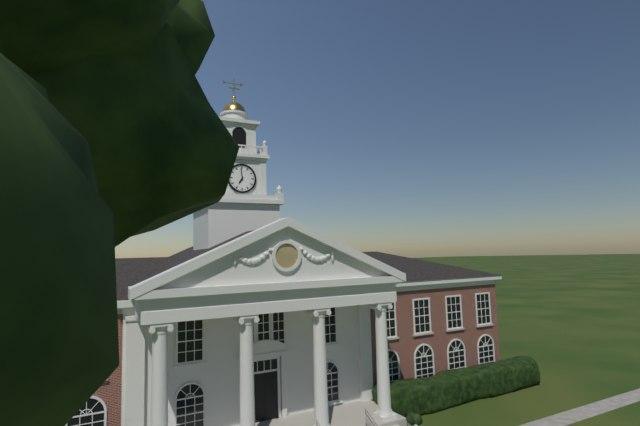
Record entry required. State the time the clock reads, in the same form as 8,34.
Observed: 6,59
